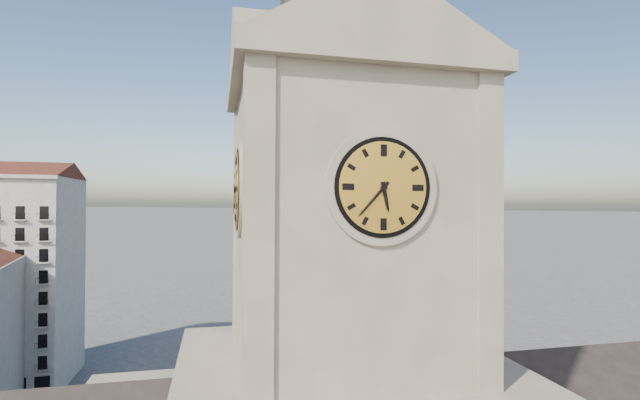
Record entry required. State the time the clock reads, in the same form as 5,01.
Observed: 5,37
